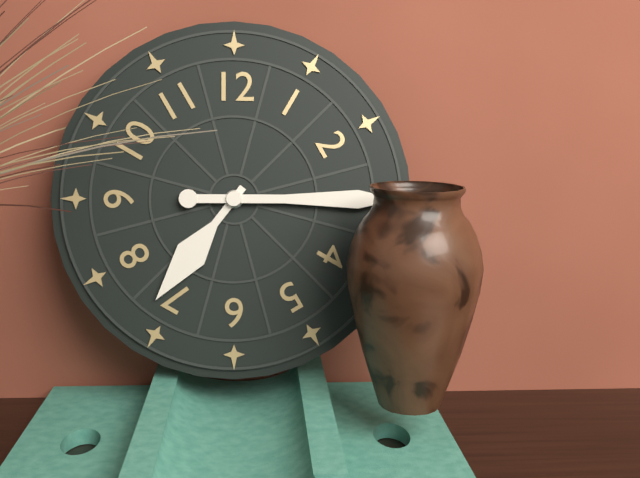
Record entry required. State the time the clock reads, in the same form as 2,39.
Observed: 7,15
